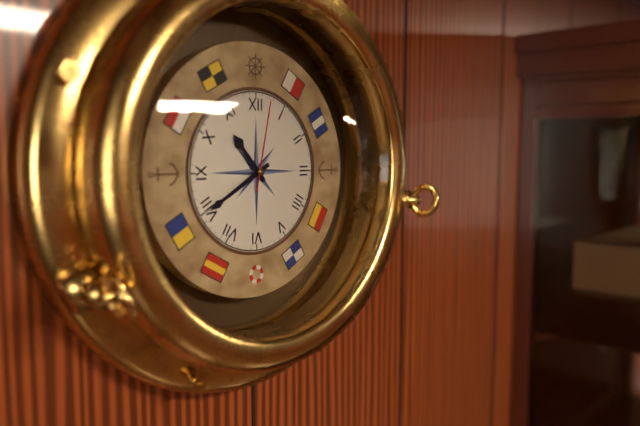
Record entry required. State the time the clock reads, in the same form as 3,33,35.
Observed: 10,40,02
